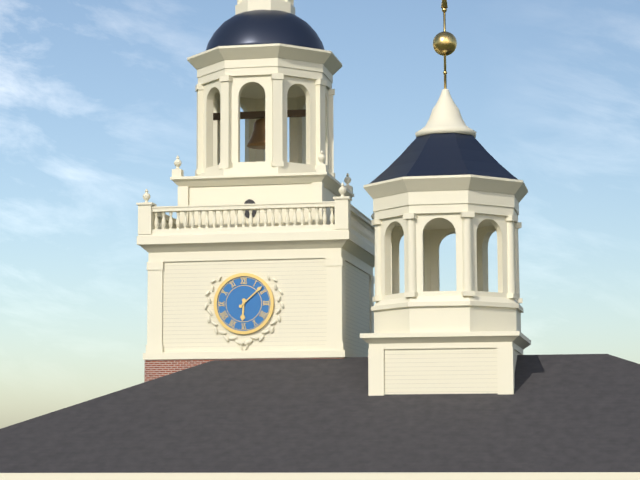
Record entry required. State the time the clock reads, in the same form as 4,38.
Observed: 6,08
